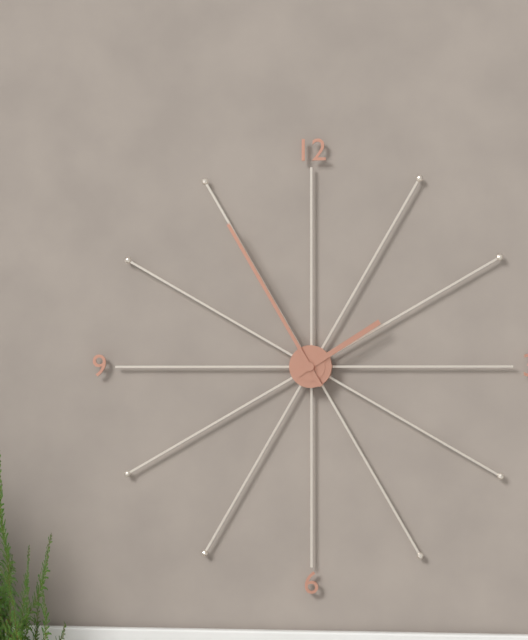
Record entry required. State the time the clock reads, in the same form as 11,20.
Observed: 1,55
